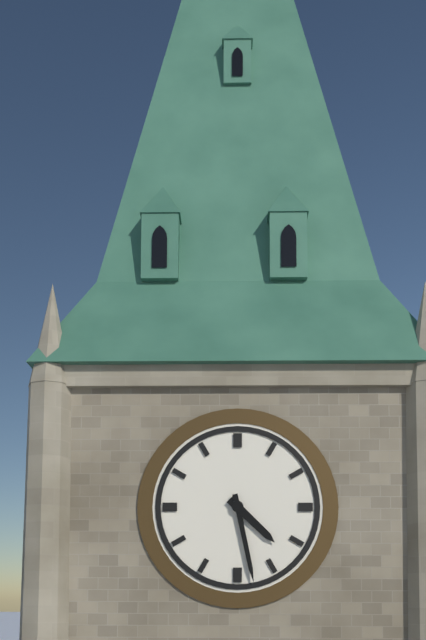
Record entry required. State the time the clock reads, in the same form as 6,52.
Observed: 4,28
